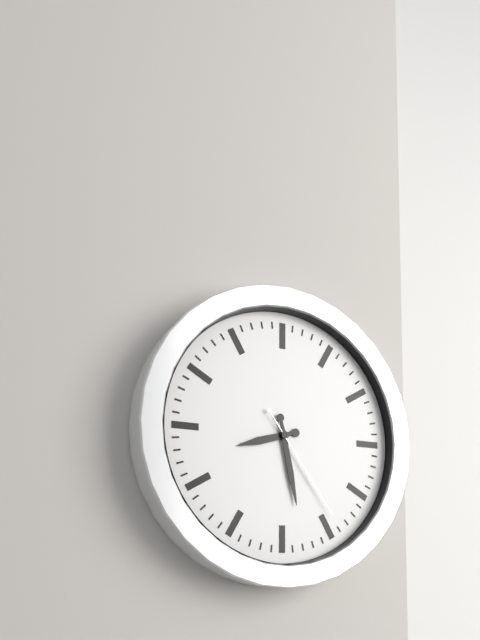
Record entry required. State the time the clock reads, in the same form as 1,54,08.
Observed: 8,28,24
